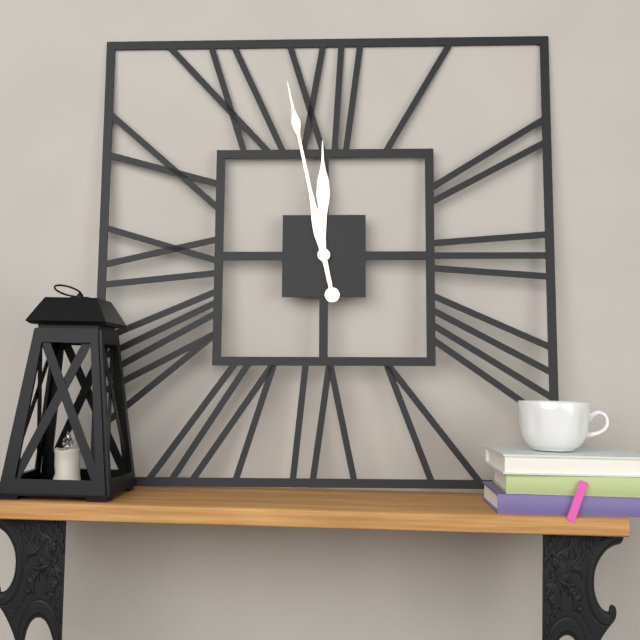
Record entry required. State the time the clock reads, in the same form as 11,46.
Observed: 11,58
